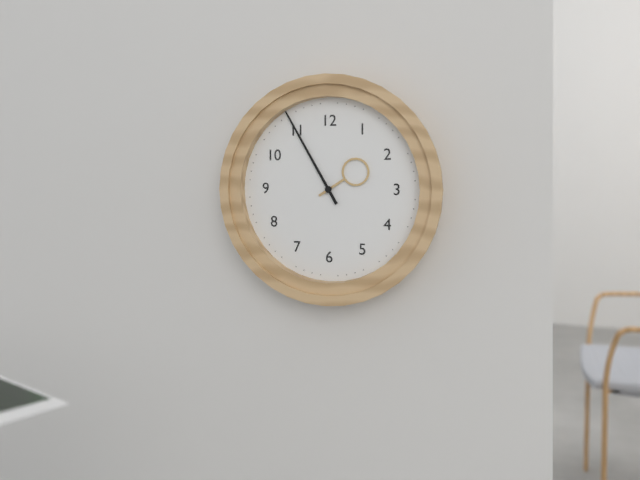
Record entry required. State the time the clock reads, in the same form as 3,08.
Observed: 1,55
